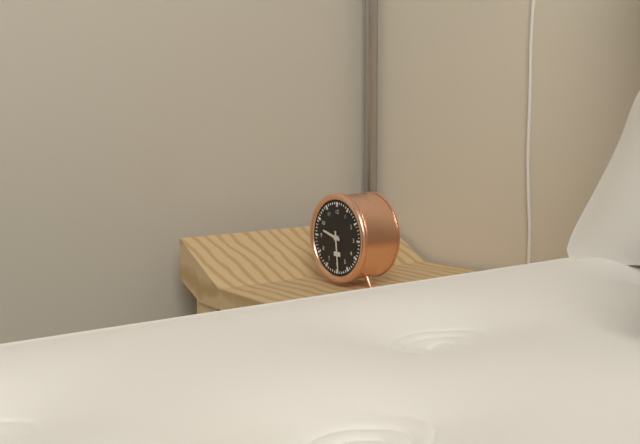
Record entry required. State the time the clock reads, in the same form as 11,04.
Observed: 9,29
